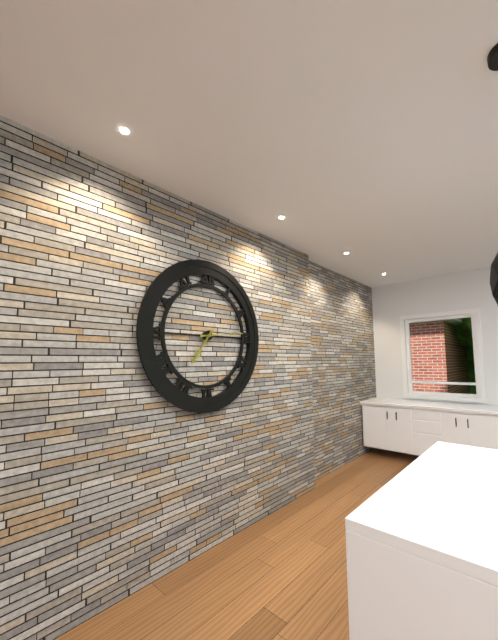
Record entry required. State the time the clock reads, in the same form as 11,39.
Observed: 7,14
